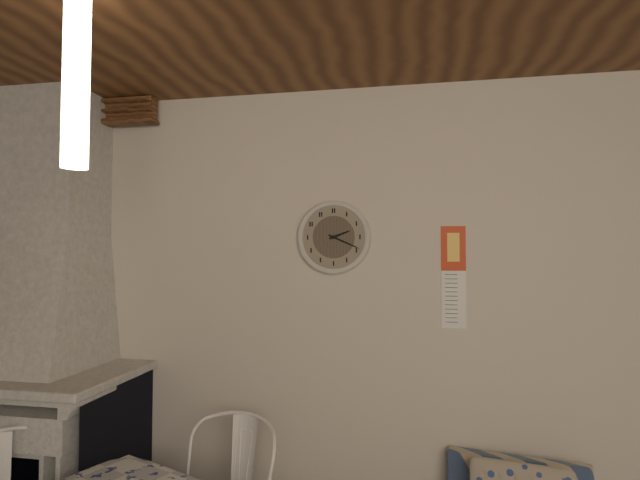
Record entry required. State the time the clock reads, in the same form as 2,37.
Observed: 2,19
